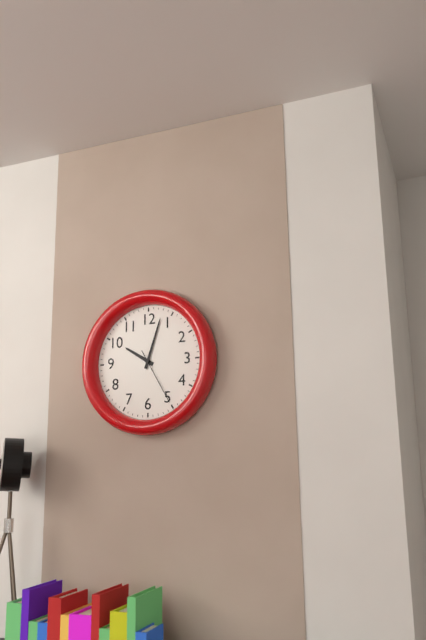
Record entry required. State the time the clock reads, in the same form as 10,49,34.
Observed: 10,03,25
